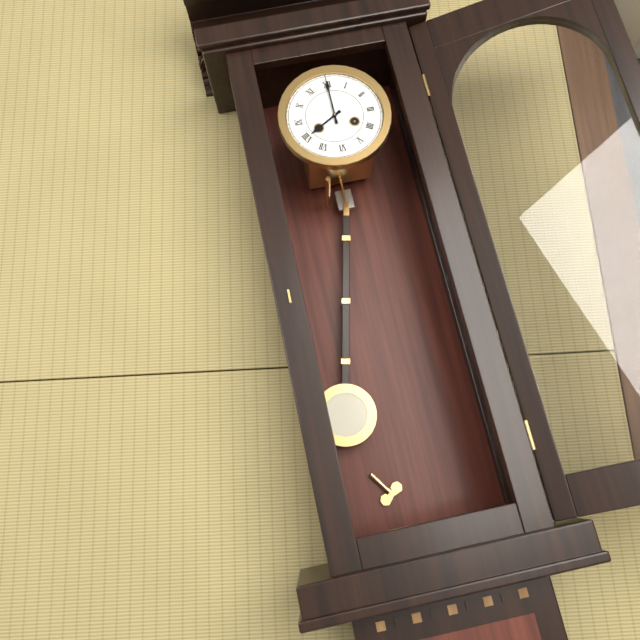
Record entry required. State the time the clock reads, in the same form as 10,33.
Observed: 8,00
